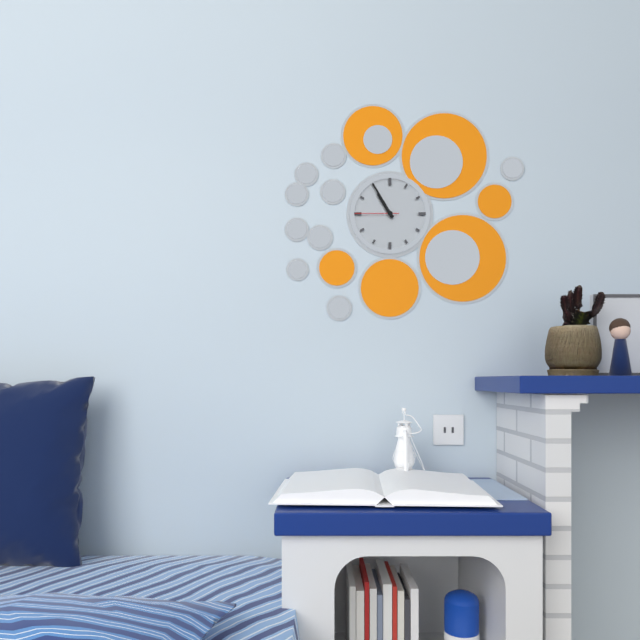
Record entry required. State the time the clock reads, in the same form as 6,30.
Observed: 10,55
